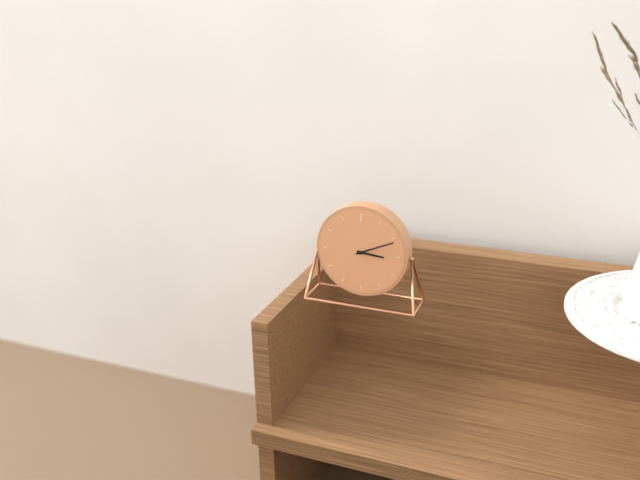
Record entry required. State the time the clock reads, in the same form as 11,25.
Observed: 3,11
